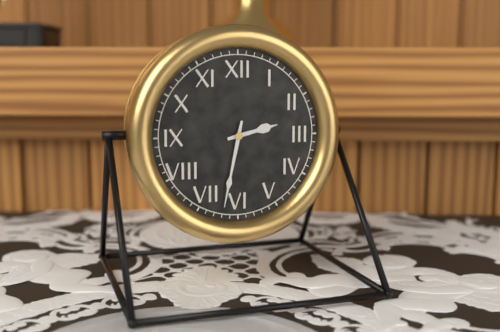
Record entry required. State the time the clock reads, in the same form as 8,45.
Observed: 2,32
